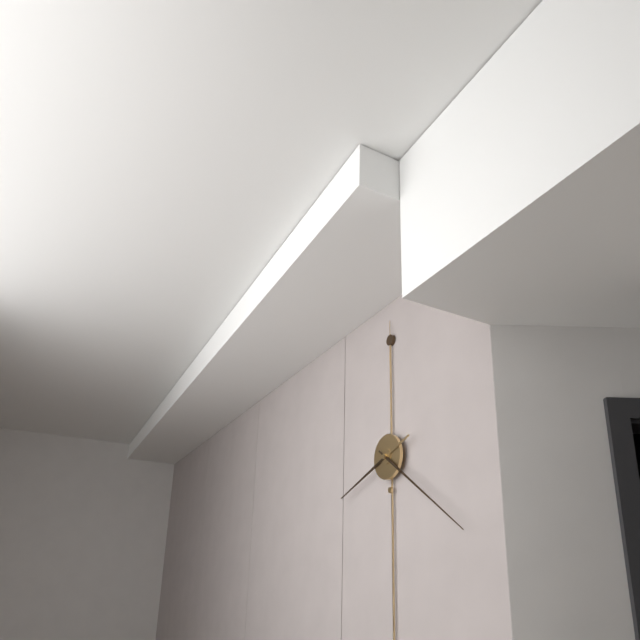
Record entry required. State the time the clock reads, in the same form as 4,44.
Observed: 8,21
